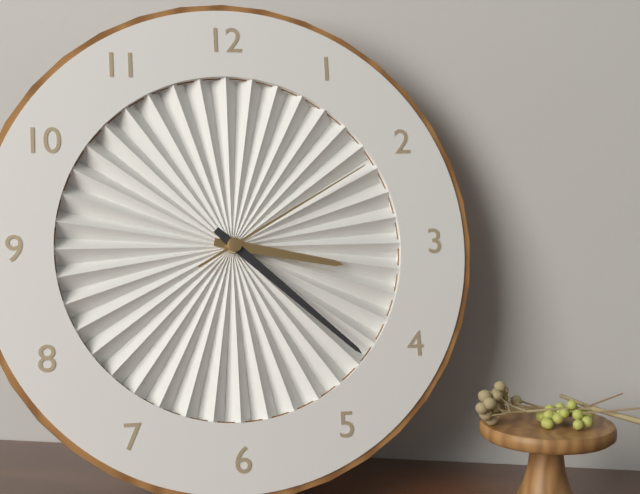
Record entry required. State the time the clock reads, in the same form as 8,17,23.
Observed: 3,22,10
